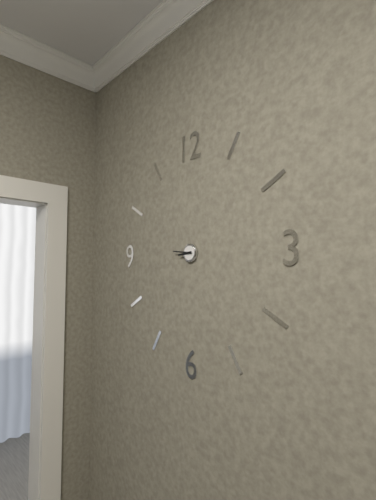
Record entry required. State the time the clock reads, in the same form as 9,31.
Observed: 8,46
